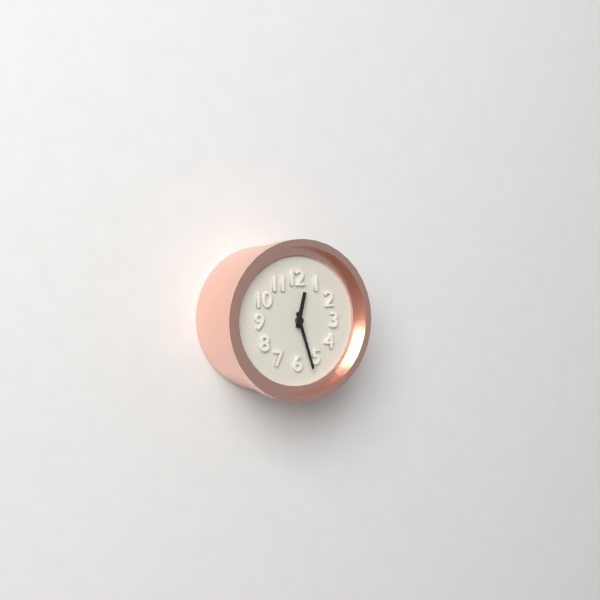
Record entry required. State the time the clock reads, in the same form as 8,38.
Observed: 12,27
